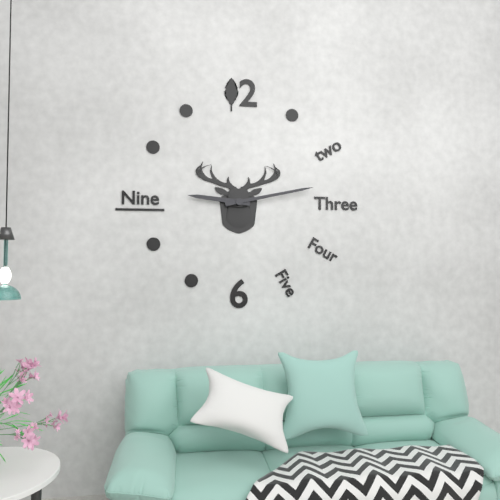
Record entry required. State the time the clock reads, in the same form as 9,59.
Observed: 9,13
